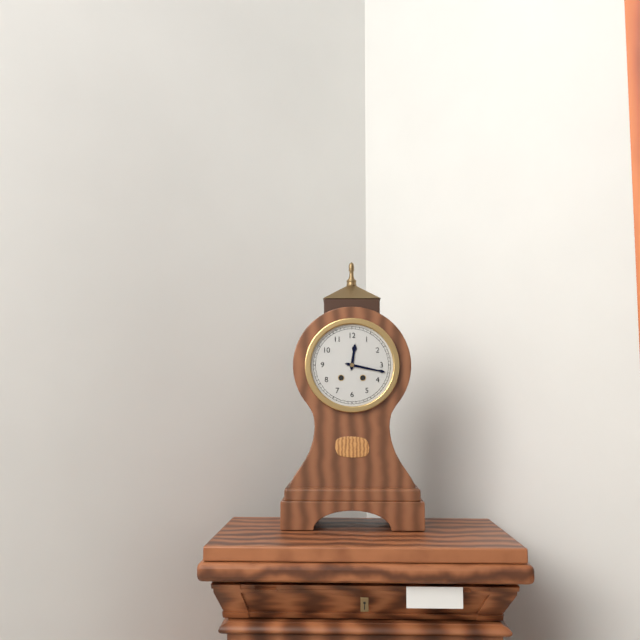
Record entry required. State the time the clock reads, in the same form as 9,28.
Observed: 12,17
